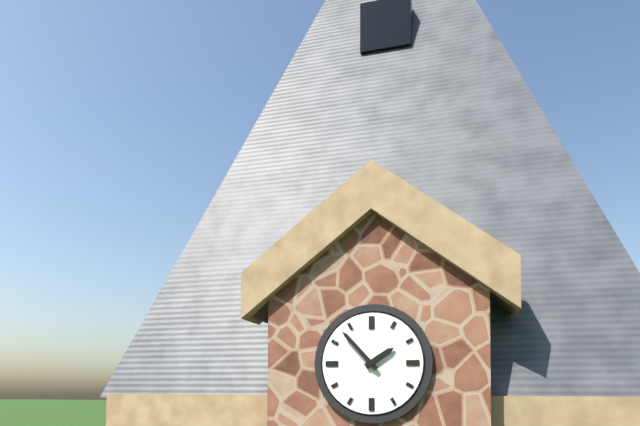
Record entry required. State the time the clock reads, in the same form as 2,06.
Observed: 1,53
